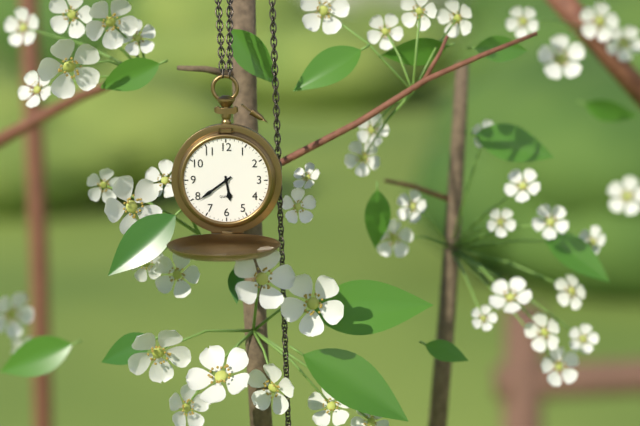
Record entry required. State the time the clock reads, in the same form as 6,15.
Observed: 5,39
